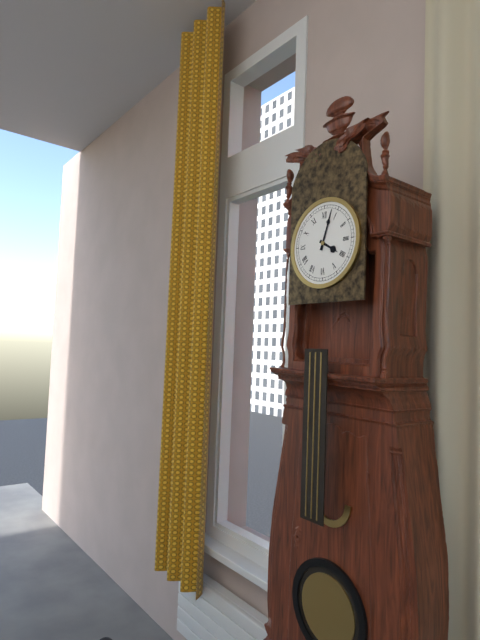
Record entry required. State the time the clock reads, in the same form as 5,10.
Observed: 4,03
